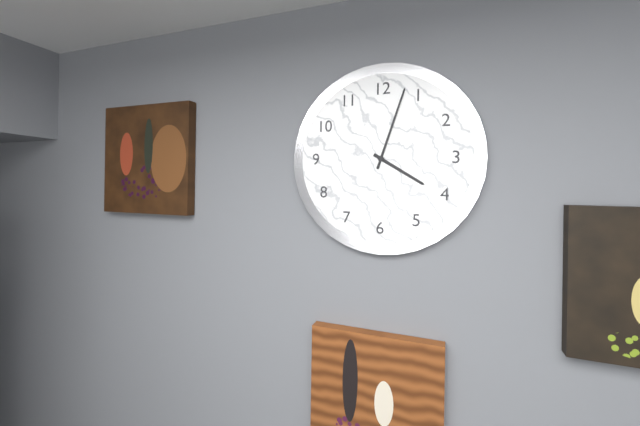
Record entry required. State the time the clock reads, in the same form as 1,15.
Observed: 4,03
